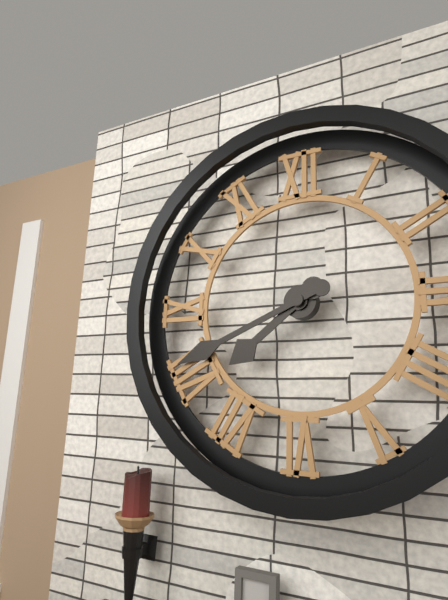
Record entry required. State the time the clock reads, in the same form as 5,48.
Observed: 7,41
